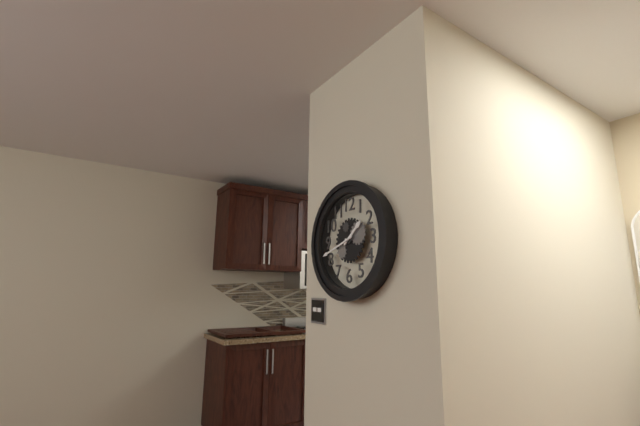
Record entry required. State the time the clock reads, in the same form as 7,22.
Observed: 1,42
